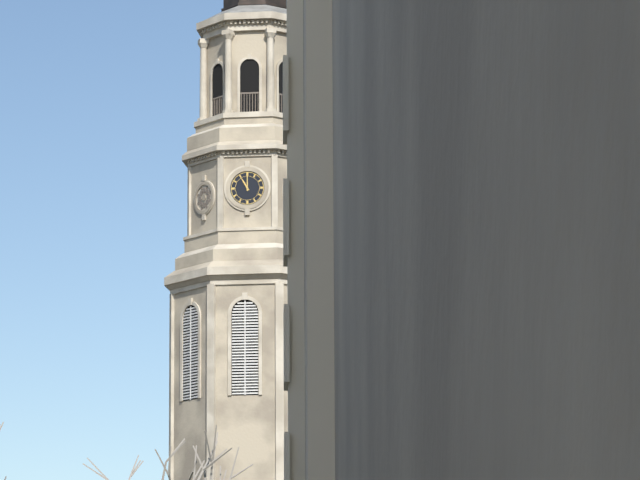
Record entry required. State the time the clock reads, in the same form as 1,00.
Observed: 11,00
